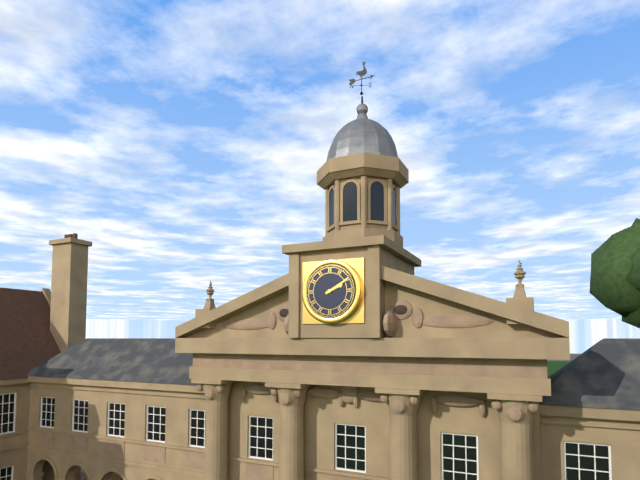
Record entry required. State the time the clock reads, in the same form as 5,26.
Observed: 2,10
